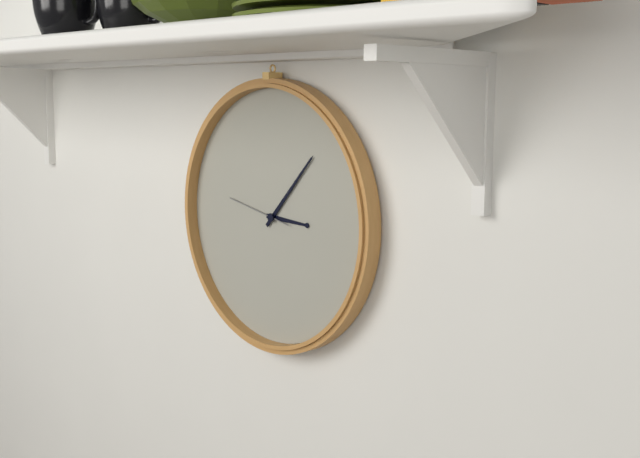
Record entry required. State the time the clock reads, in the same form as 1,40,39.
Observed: 3,07,47
